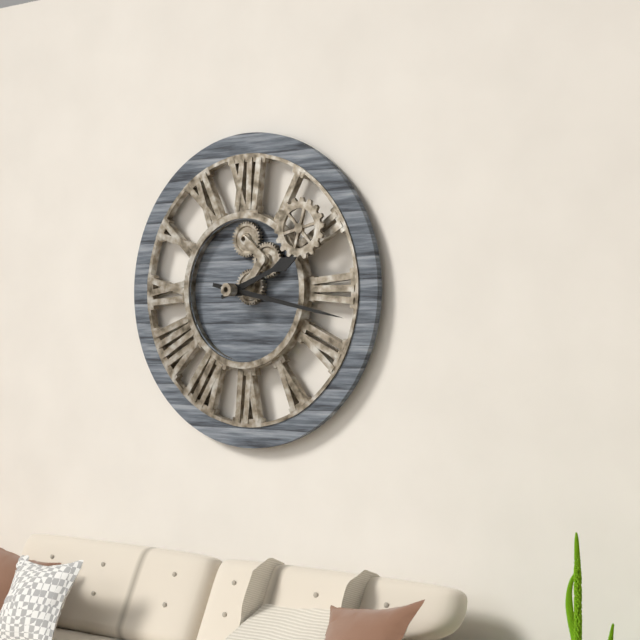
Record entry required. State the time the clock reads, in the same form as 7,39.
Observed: 2,17
